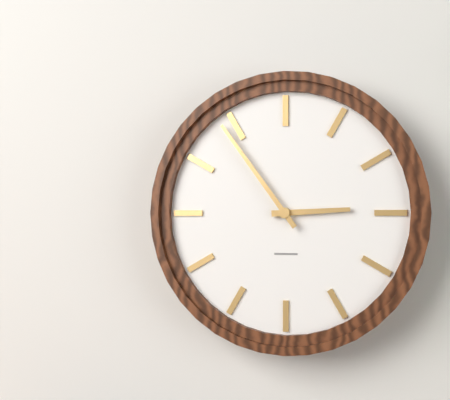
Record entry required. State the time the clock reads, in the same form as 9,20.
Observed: 2,54
